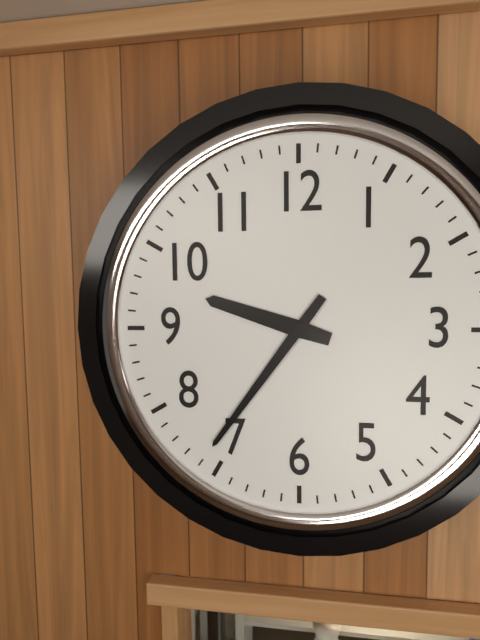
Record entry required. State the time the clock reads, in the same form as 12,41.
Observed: 9,36
